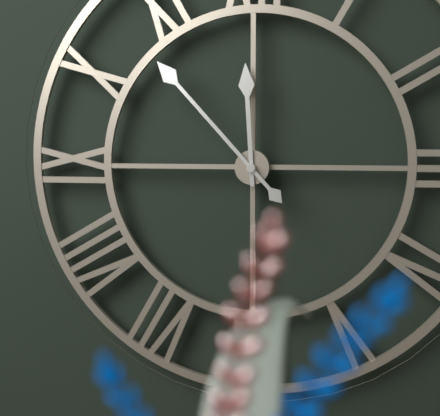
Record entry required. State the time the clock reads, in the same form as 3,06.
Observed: 11,53
